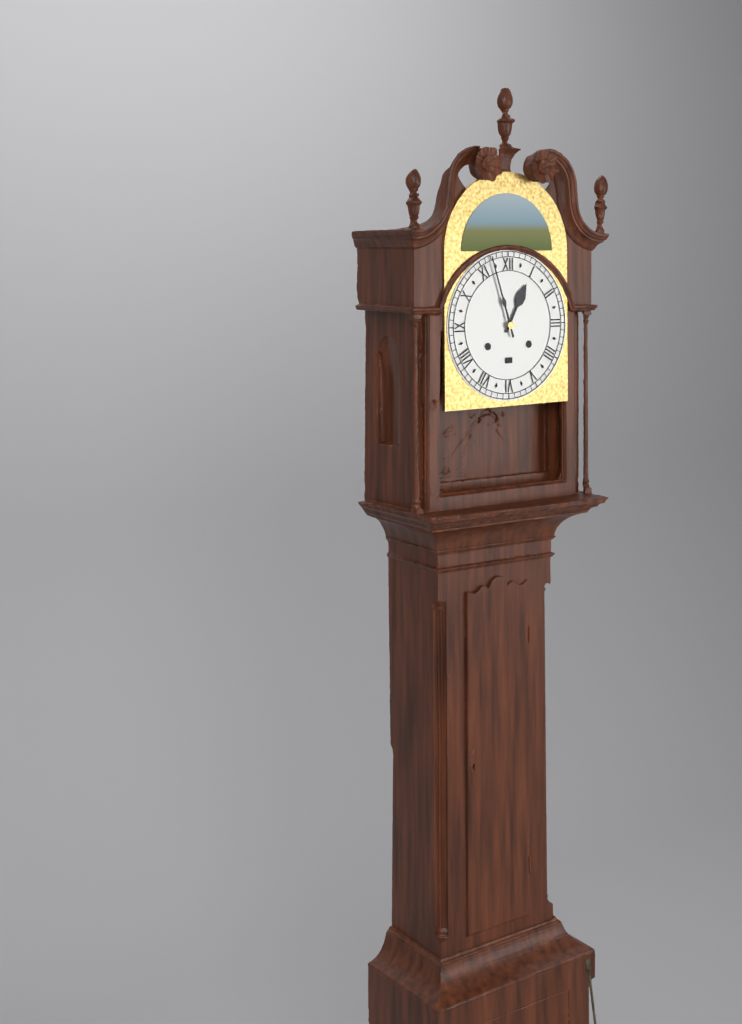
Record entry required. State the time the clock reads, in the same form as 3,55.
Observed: 12,57
